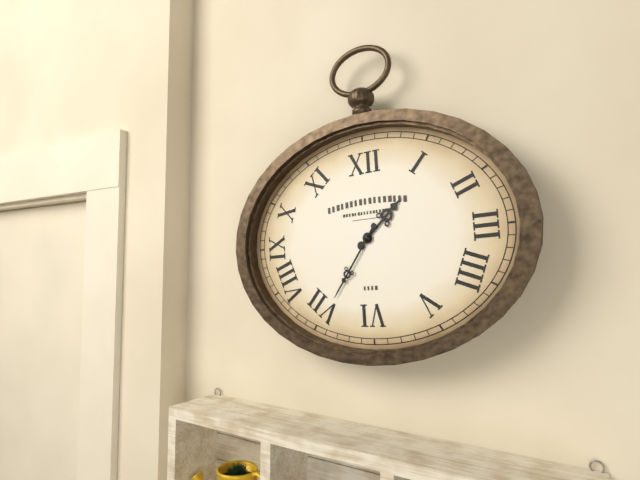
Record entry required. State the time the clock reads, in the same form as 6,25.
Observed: 1,36
